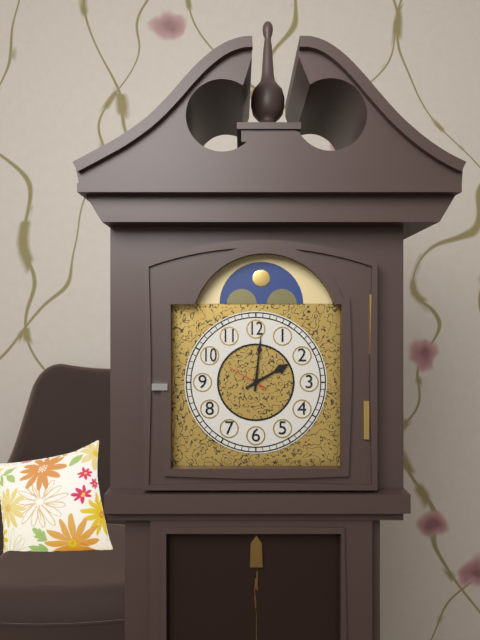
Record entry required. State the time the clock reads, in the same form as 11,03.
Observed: 2,01
